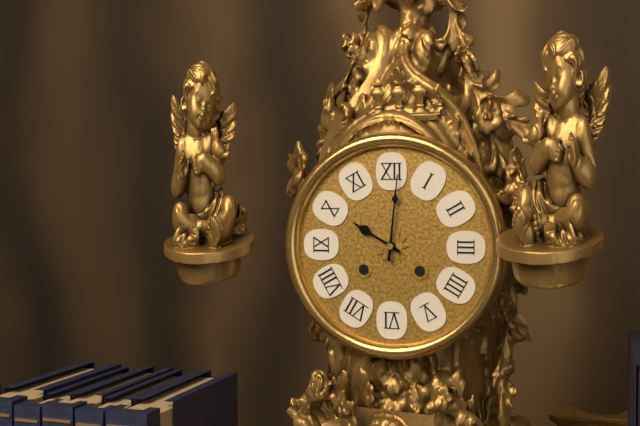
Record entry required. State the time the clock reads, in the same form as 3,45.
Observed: 10,01
